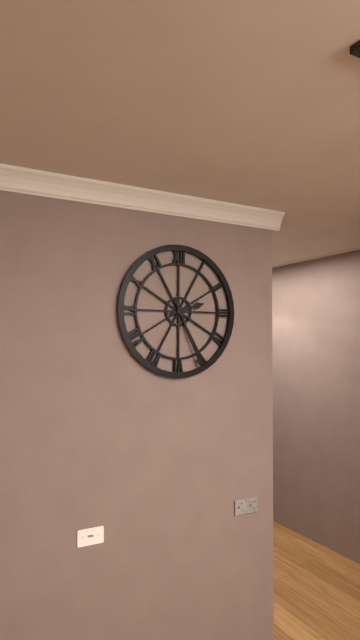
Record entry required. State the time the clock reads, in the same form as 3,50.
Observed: 2,26
